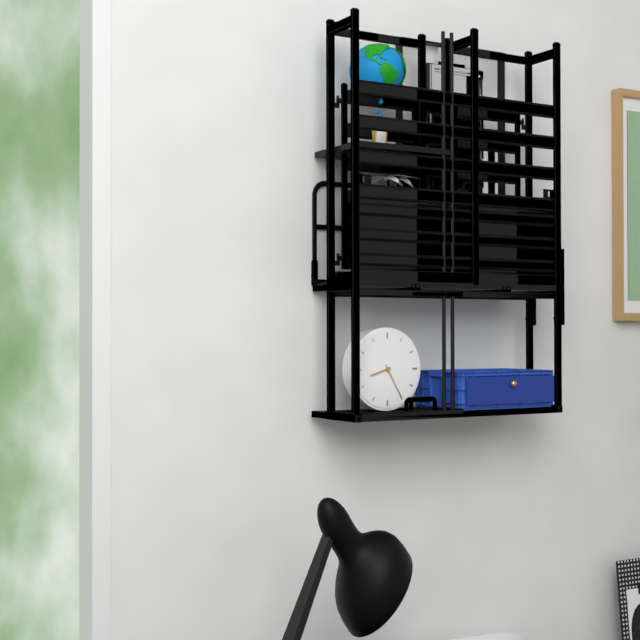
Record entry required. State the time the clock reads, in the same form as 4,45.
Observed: 8,25
